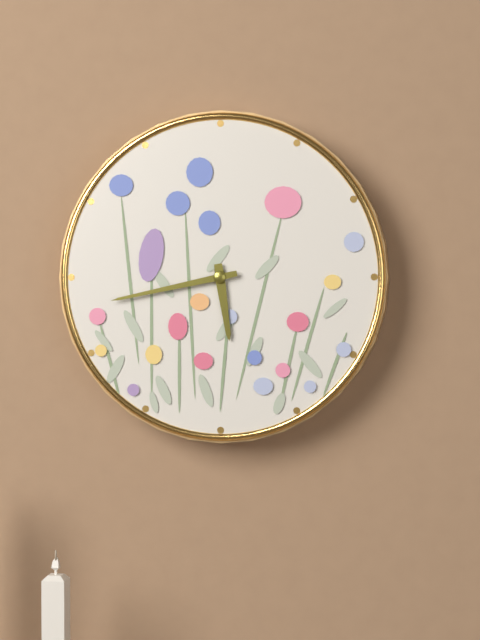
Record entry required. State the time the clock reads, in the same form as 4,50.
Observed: 5,43
